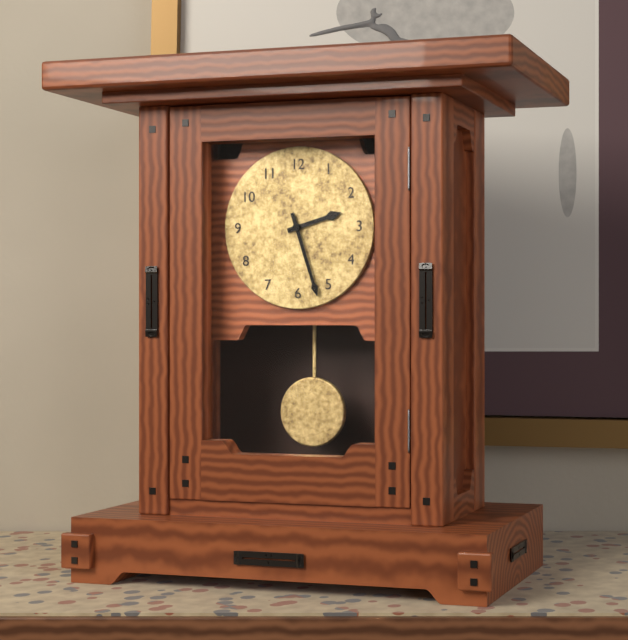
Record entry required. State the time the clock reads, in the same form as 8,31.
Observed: 2,27
